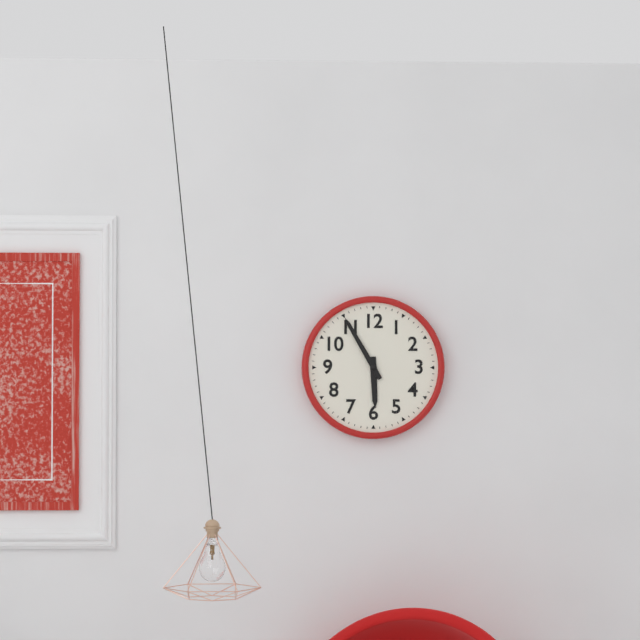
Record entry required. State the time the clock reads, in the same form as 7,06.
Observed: 5,55
